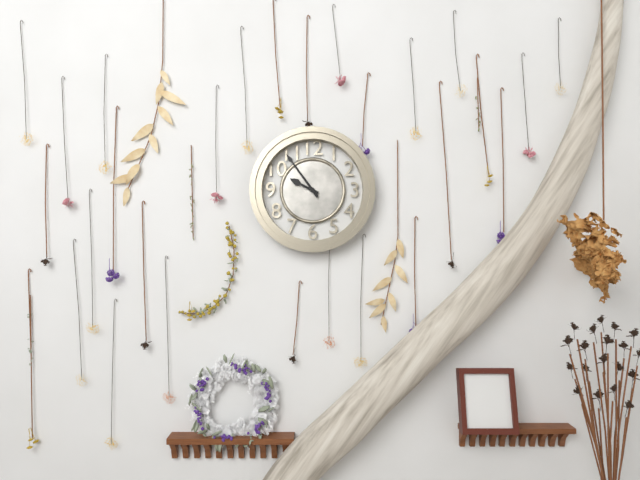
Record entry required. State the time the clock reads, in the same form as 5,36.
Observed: 9,54
